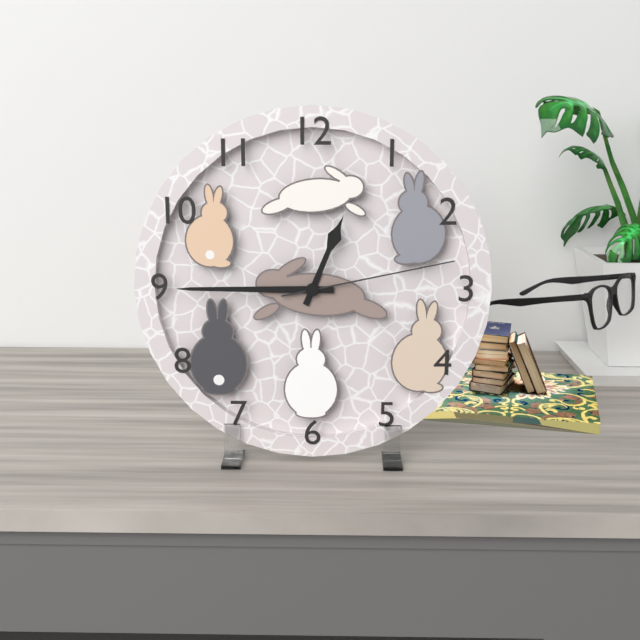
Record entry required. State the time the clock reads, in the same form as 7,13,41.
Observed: 12,45,13
